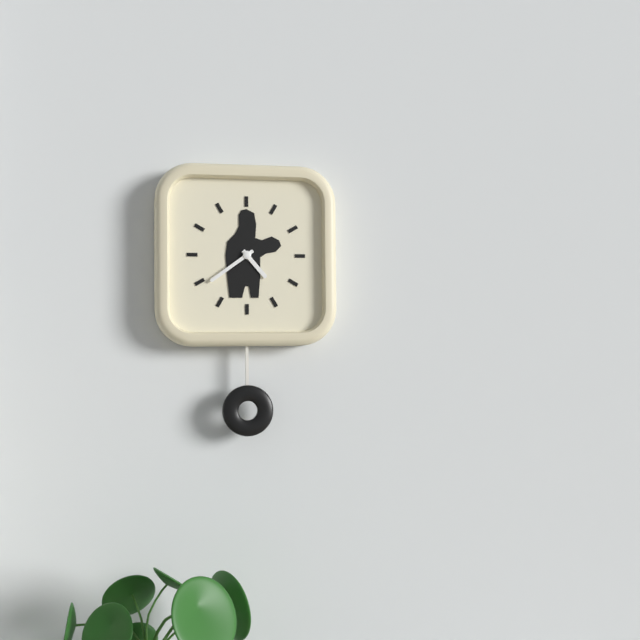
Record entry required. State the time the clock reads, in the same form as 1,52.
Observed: 4,39
